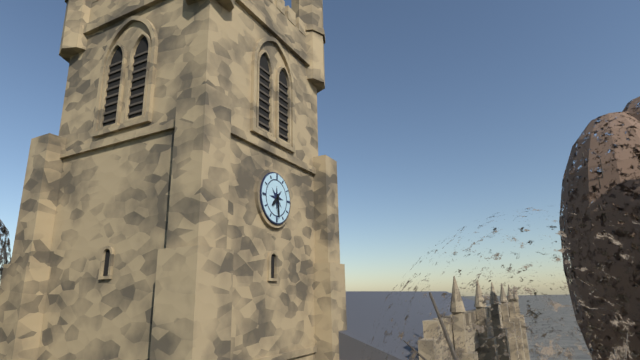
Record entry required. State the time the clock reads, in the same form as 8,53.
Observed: 7,29
